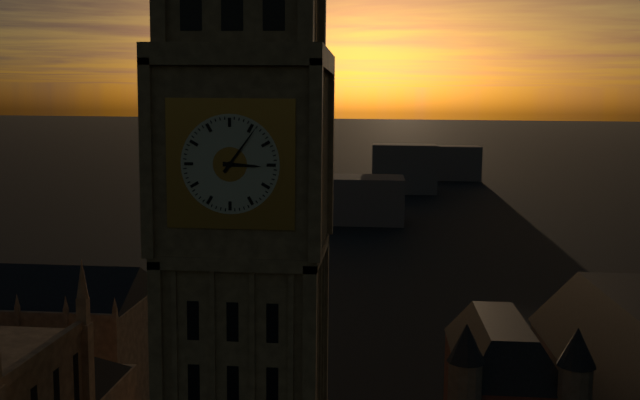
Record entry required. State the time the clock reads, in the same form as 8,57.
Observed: 3,06
